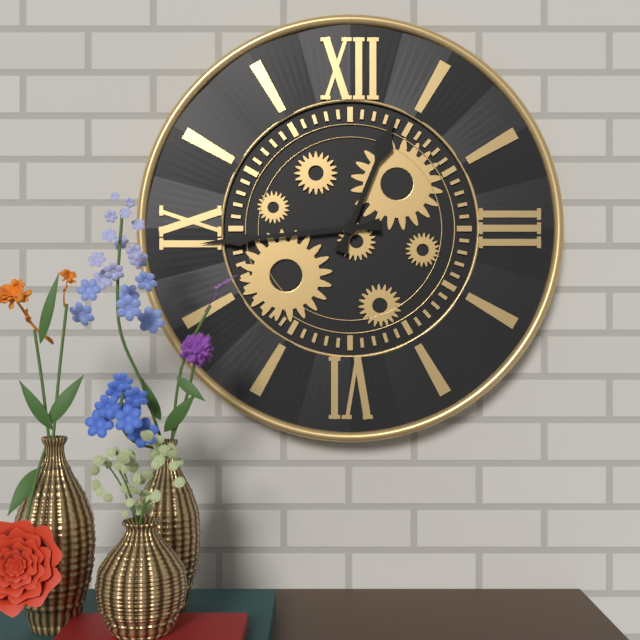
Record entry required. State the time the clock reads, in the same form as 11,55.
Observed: 12,44
